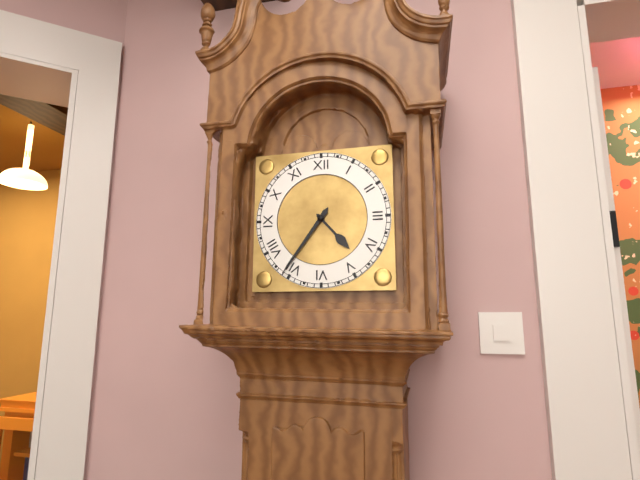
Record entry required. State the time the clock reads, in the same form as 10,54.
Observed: 4,36
